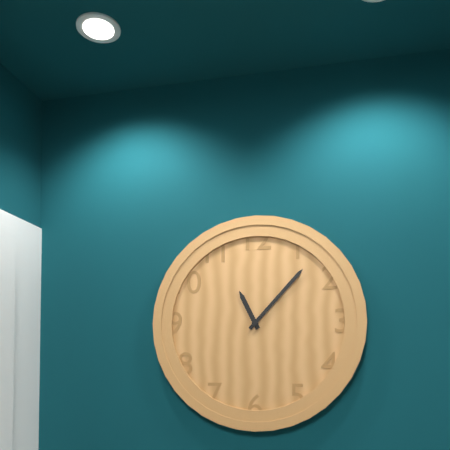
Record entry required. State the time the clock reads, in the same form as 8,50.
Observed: 11,07
